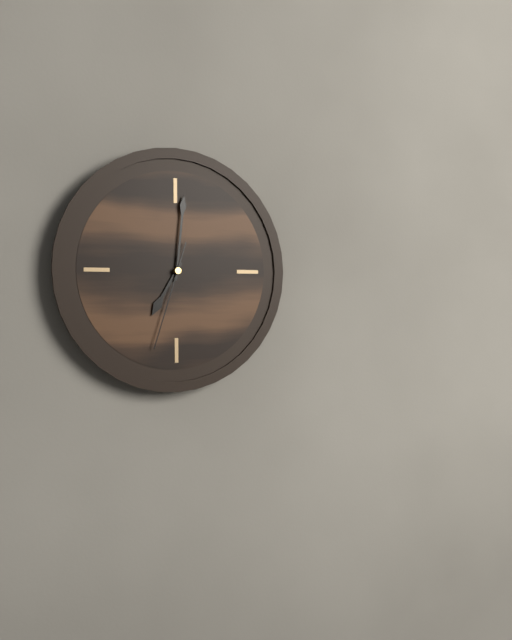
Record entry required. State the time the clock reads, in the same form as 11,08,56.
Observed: 7,01,33
